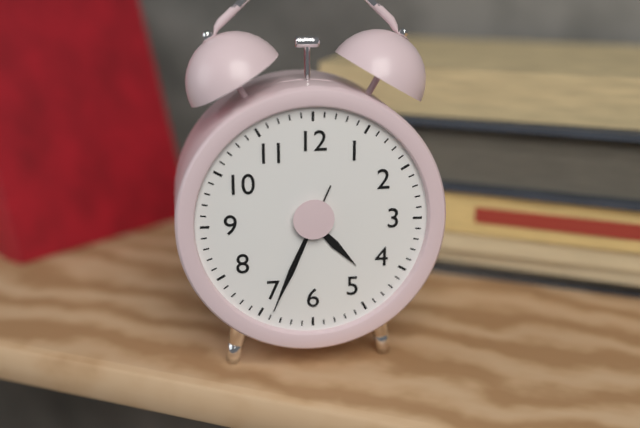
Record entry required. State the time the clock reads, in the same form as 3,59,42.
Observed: 4,34,34
